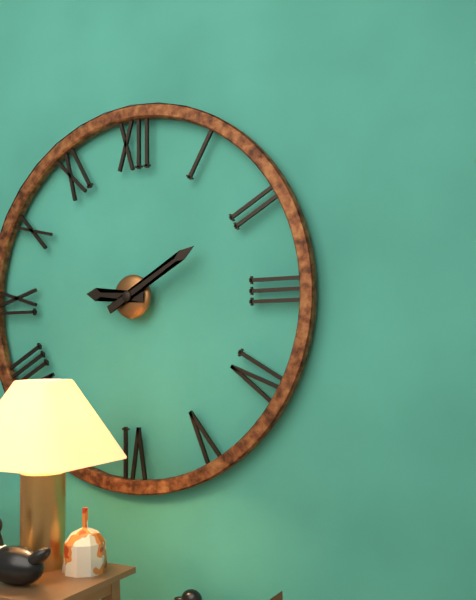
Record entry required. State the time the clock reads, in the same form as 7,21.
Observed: 9,10
